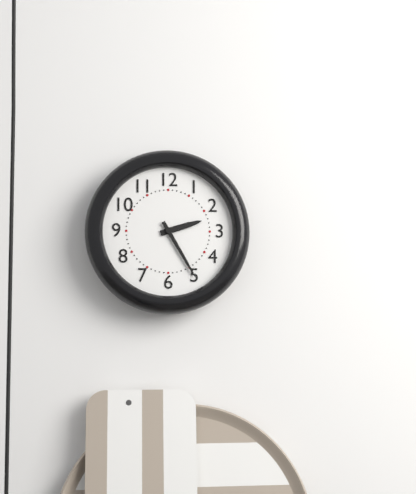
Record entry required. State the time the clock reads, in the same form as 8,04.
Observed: 2,25
